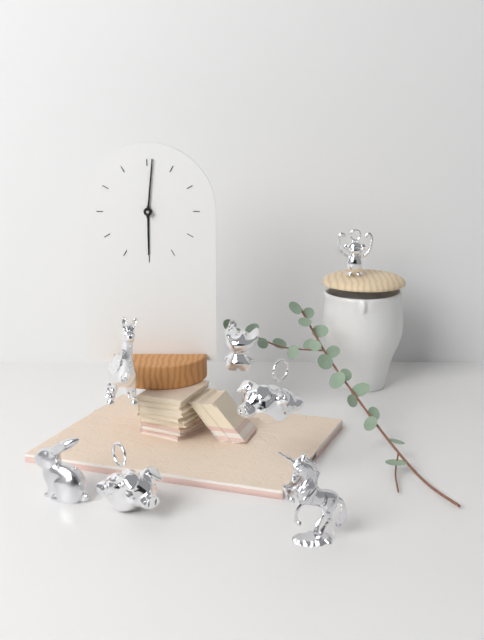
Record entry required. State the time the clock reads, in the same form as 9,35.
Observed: 6,01
